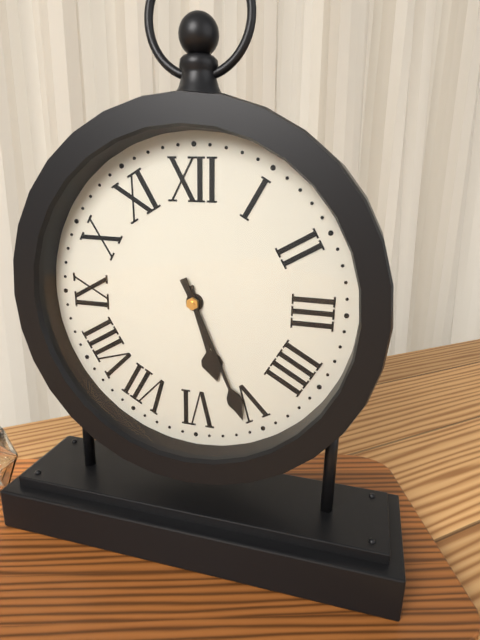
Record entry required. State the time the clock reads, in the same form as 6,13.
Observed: 5,26
